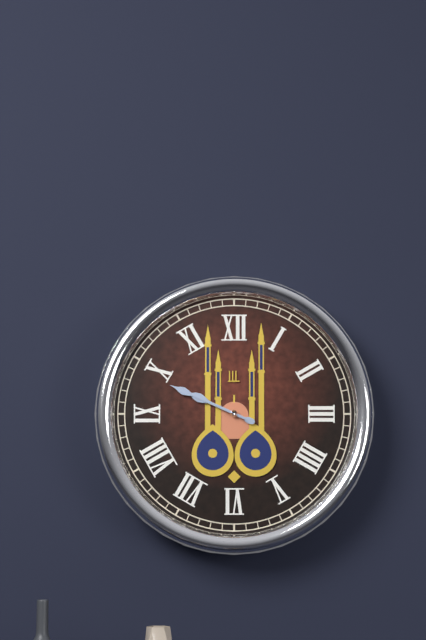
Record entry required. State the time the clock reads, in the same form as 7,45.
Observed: 9,49
